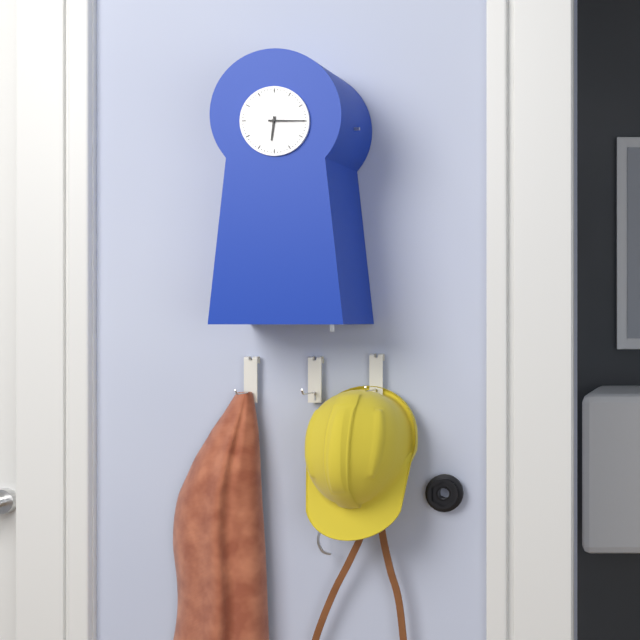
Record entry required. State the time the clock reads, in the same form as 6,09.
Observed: 6,15
